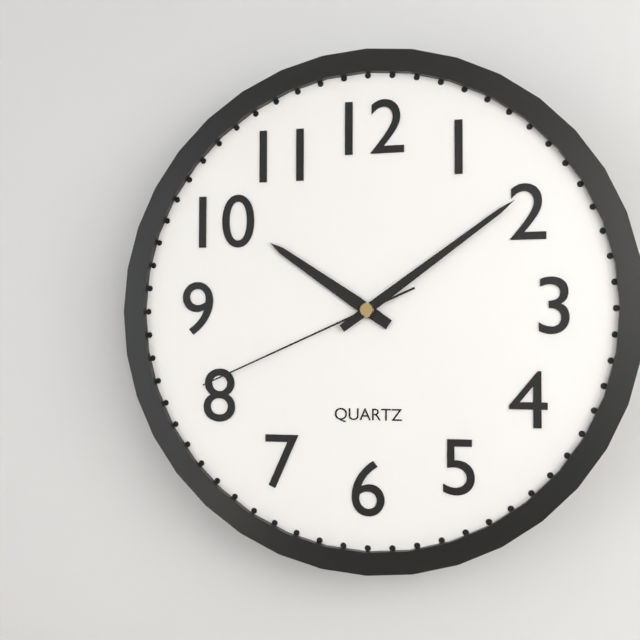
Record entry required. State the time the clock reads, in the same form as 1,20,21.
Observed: 10,09,41
